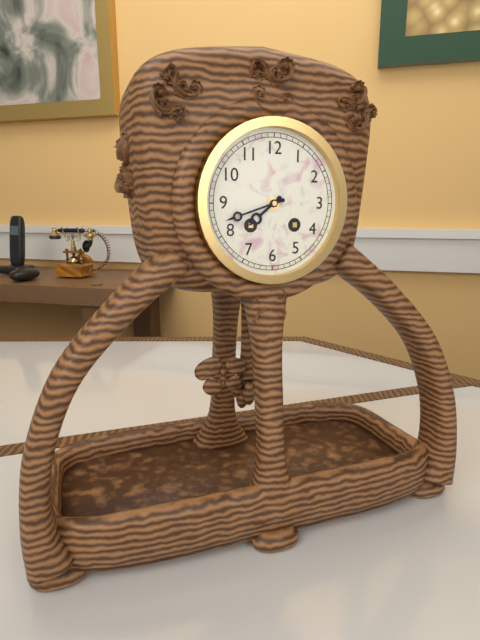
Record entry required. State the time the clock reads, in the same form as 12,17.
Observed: 7,42
